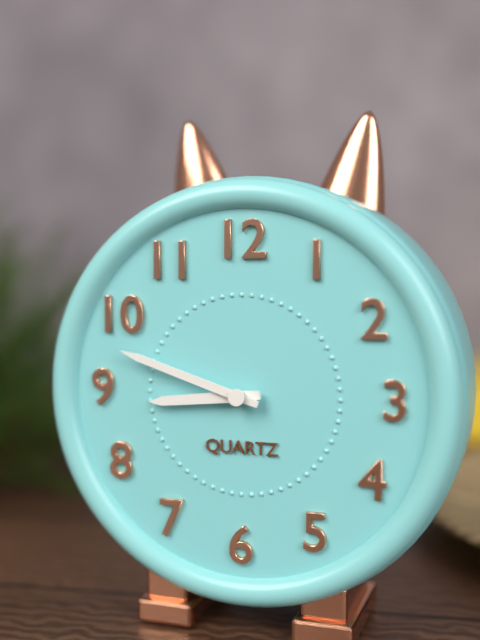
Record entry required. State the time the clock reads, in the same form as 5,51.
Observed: 8,48
